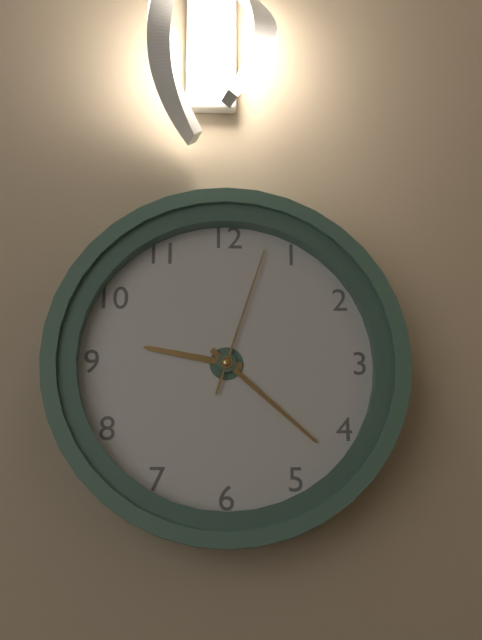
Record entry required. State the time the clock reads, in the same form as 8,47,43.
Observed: 9,22,03
